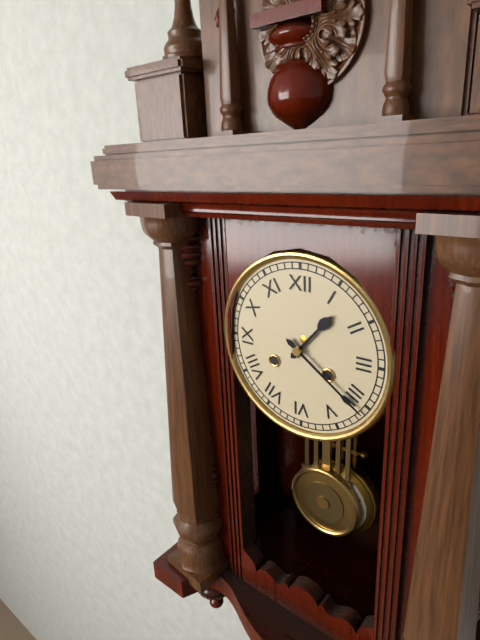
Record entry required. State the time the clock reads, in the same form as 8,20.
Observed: 1,21
